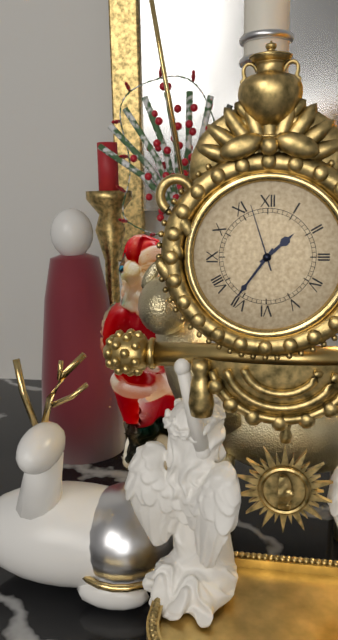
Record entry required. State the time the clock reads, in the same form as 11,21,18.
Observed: 1,36,57
